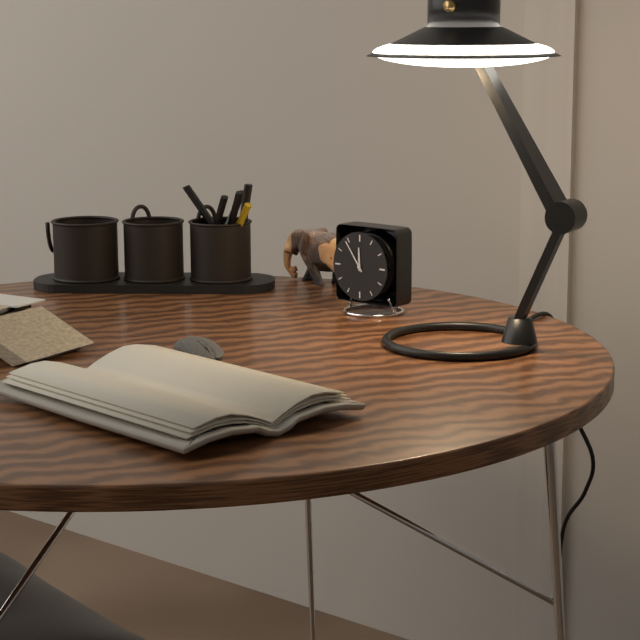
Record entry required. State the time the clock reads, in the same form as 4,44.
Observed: 11,54
